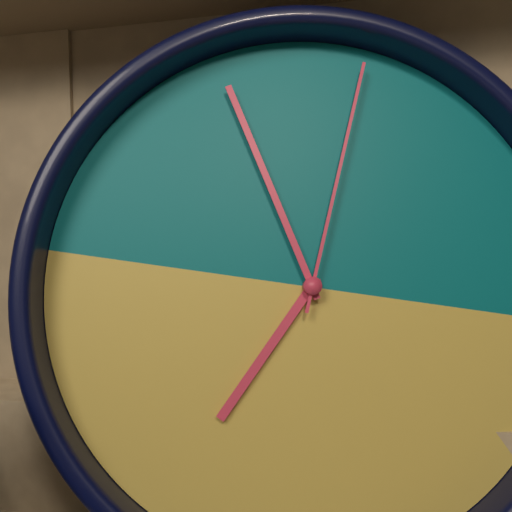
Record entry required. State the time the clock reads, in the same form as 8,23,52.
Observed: 6,55,01
